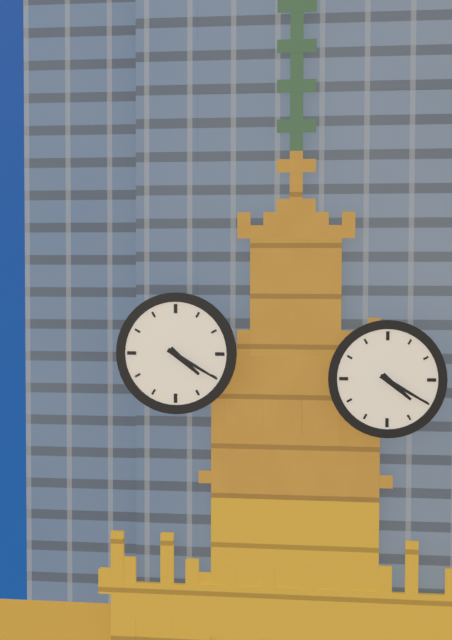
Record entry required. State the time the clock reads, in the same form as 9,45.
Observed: 4,20
